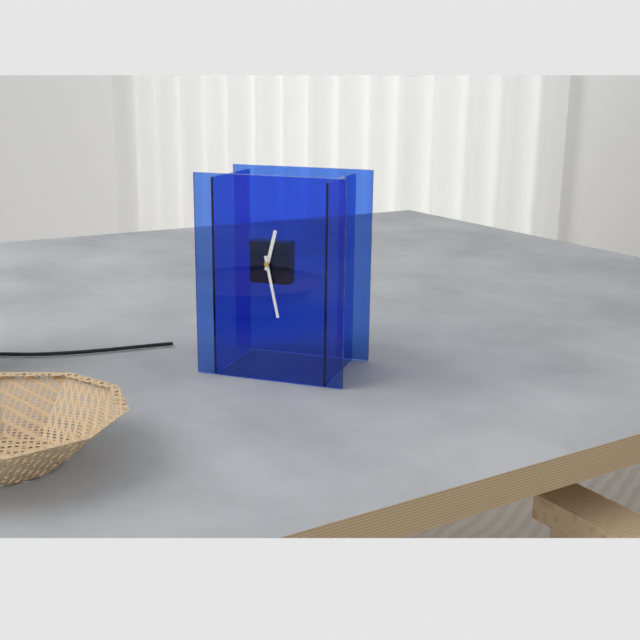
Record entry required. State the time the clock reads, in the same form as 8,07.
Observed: 12,28
